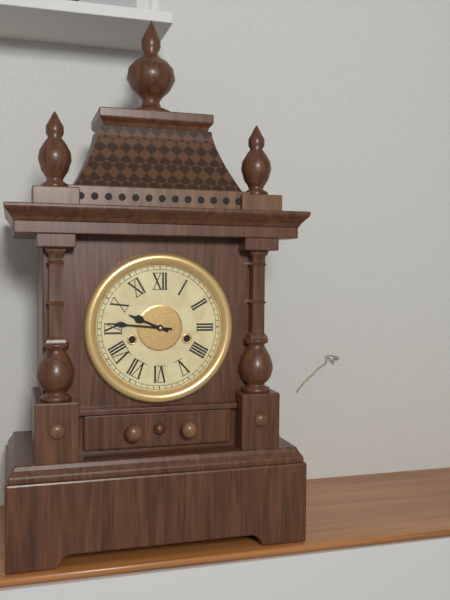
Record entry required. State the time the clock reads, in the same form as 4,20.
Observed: 9,46
